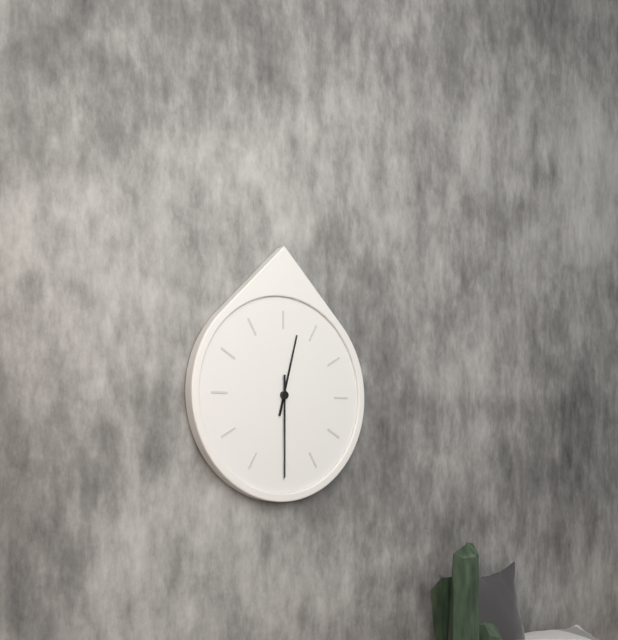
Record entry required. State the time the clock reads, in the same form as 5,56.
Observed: 12,30
